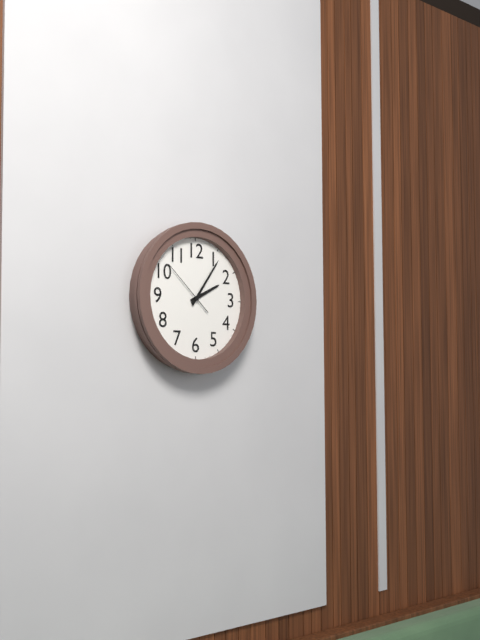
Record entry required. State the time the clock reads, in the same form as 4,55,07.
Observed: 2,06,52
